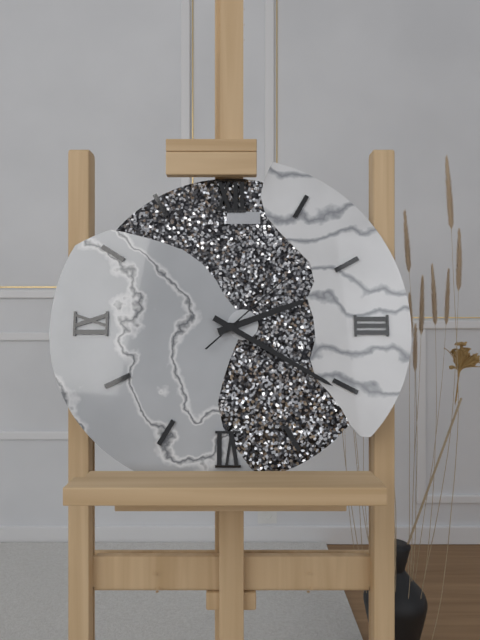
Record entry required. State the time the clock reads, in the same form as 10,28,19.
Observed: 2,20,08
